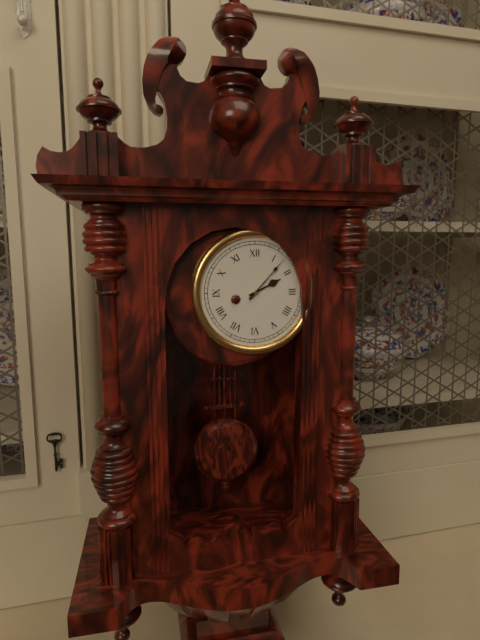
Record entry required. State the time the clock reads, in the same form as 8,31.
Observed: 2,07
